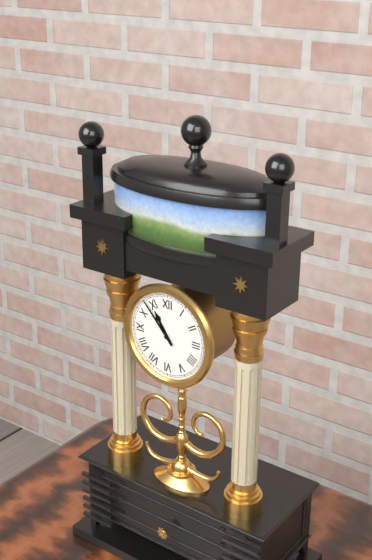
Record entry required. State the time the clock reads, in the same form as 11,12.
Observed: 10,53
